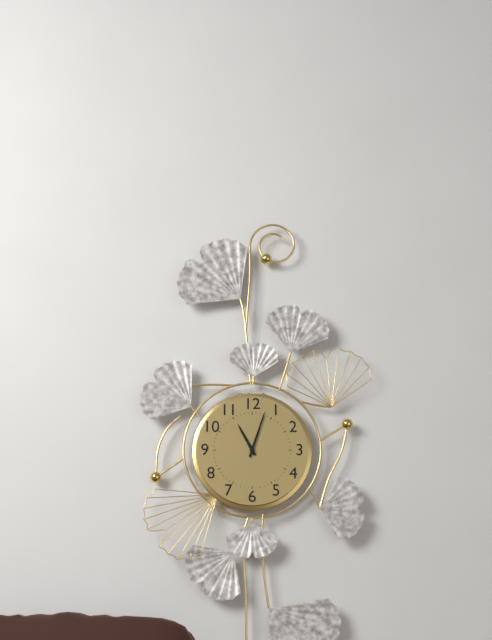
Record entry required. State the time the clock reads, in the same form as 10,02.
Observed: 11,03
